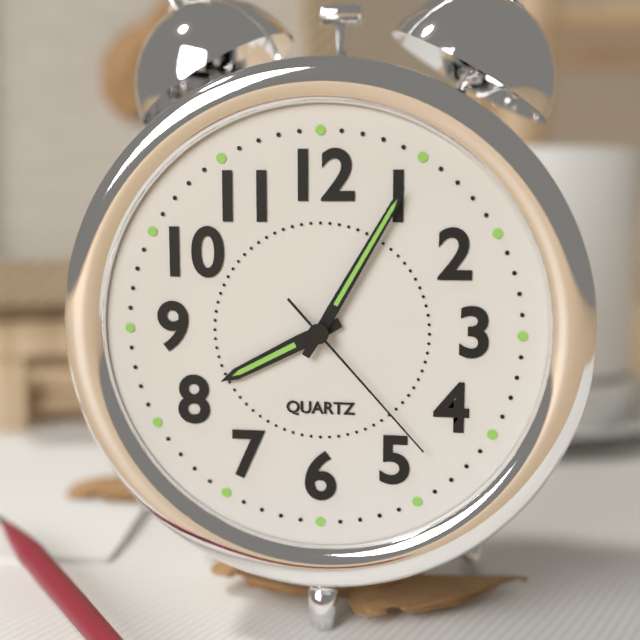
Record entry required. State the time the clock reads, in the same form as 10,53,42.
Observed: 8,05,23
